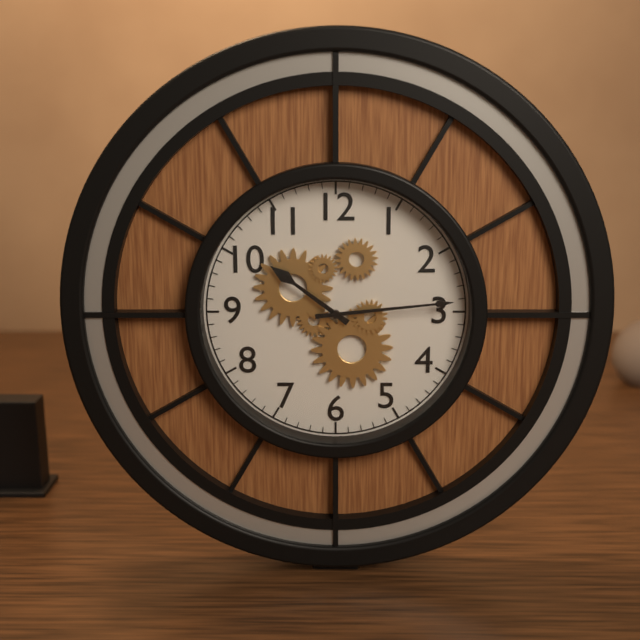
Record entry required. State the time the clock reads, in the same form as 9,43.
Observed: 10,14
